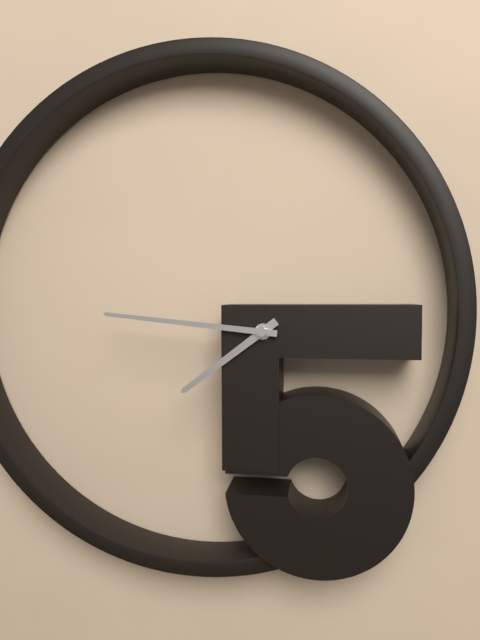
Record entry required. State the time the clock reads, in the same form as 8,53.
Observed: 7,46
